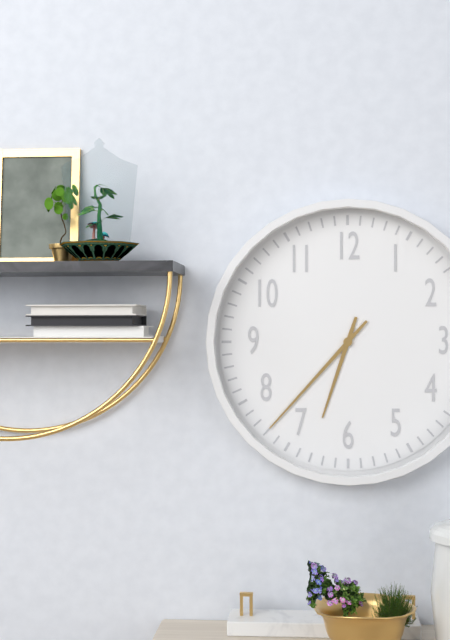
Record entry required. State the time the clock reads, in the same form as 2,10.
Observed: 6,37
